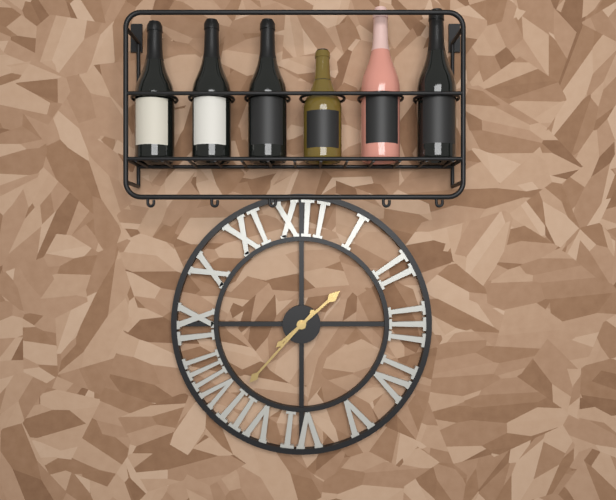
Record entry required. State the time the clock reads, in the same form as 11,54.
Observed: 1,37
